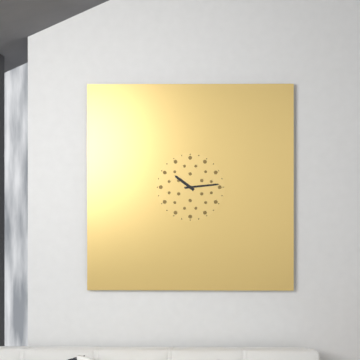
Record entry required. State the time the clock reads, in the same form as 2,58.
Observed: 10,14
